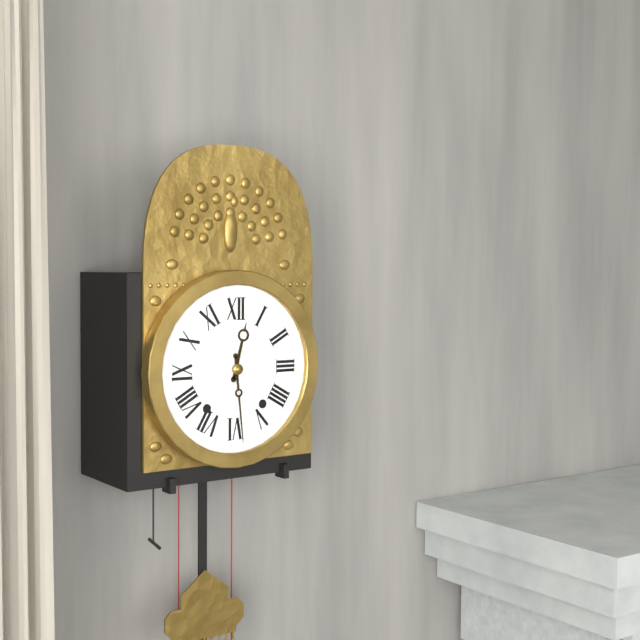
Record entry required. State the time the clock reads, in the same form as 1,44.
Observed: 12,29
